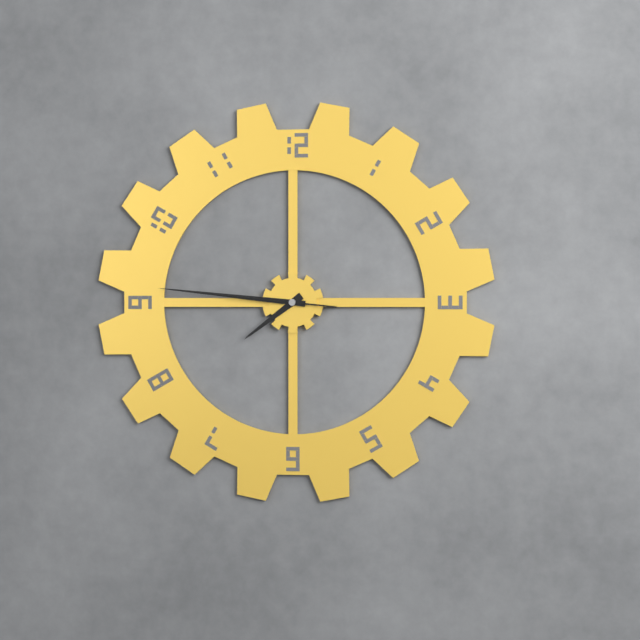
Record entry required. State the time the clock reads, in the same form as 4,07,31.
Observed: 7,46,46
